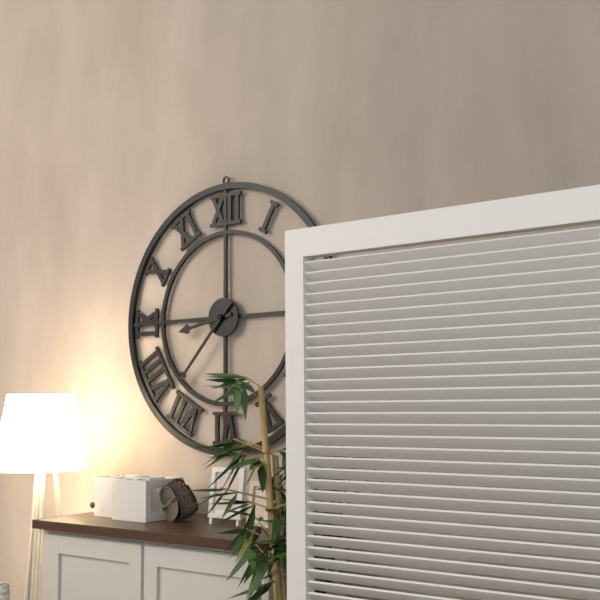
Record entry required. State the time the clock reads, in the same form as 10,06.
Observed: 8,37
